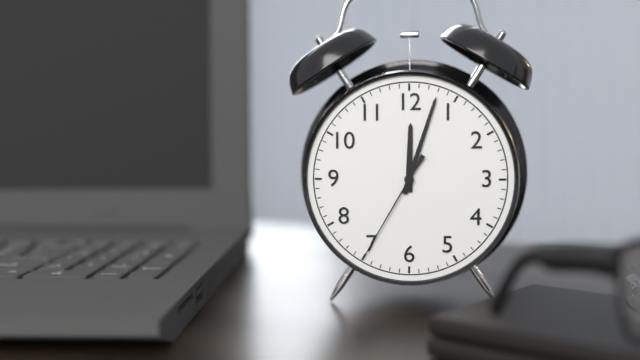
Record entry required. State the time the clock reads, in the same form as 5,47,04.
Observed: 12,03,35
